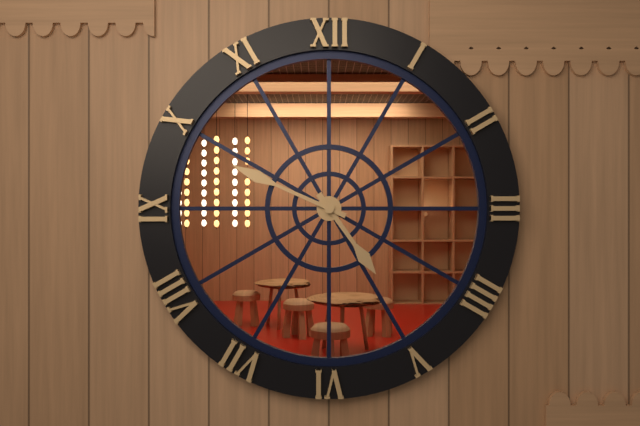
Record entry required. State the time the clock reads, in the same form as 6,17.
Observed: 4,49
